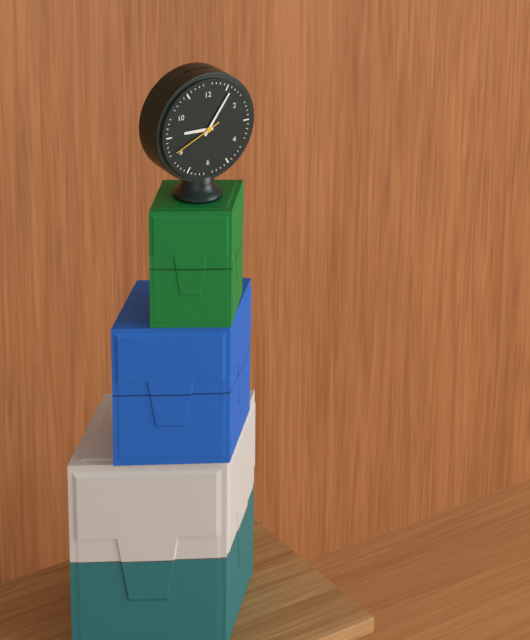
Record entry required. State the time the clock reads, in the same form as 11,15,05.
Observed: 9,06,41
